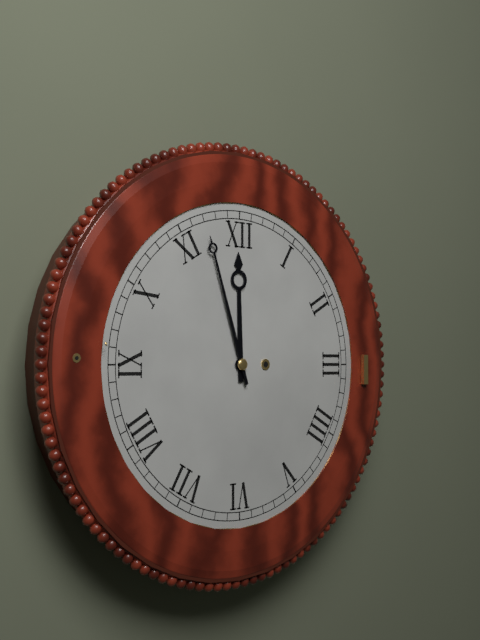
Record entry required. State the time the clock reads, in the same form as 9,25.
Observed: 11,57
